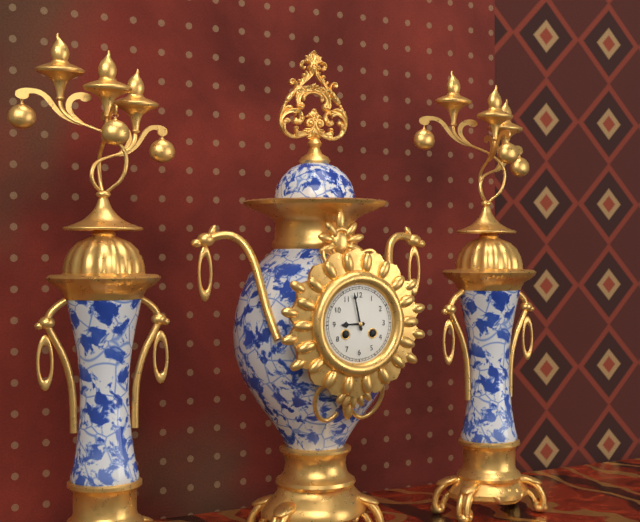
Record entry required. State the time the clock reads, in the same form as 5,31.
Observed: 8,58
